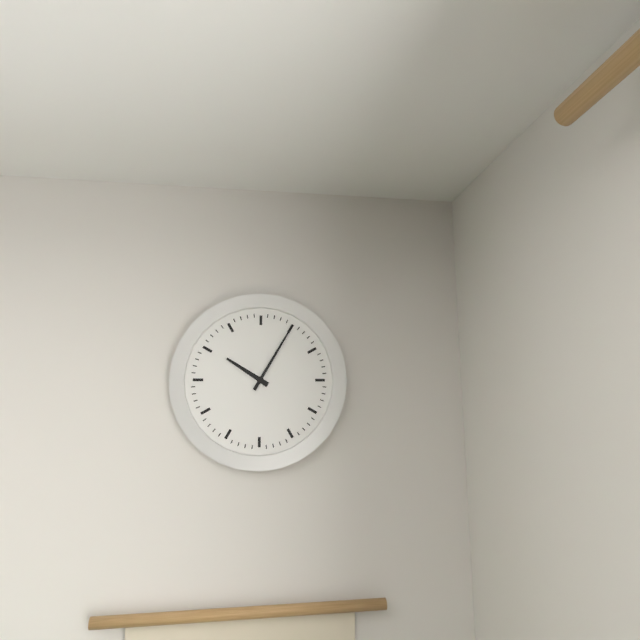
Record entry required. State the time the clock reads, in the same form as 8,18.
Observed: 10,05
